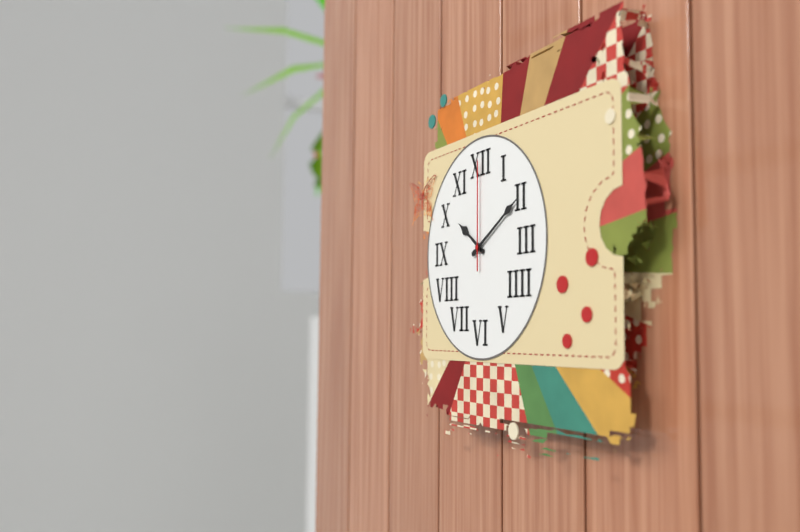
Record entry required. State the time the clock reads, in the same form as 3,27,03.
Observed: 10,10,00
